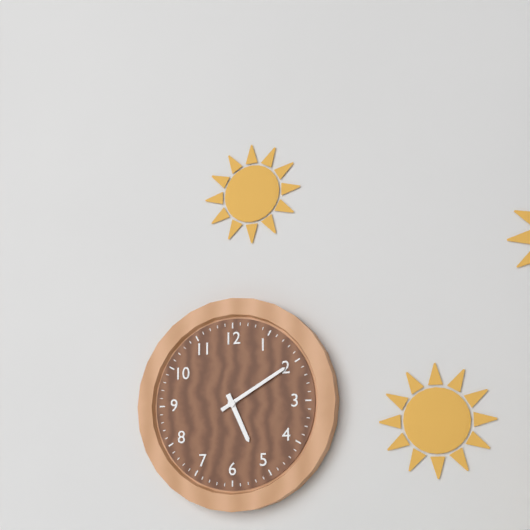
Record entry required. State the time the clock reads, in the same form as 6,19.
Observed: 5,10
